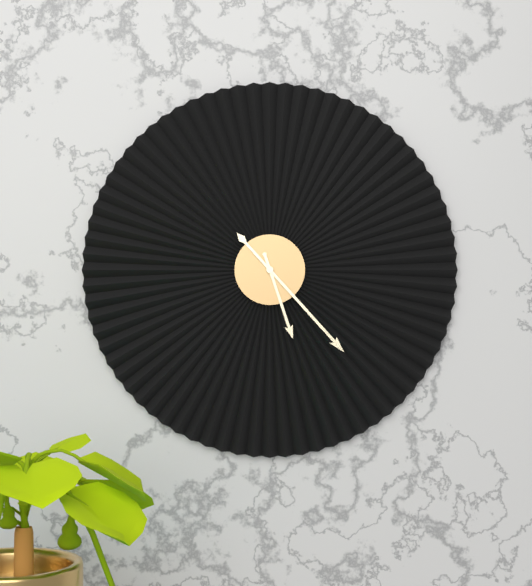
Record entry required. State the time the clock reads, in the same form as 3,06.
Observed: 5,23
